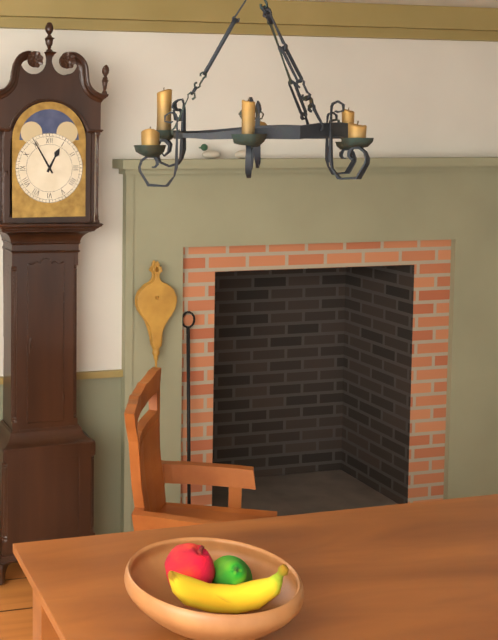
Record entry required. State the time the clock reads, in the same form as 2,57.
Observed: 12,55
